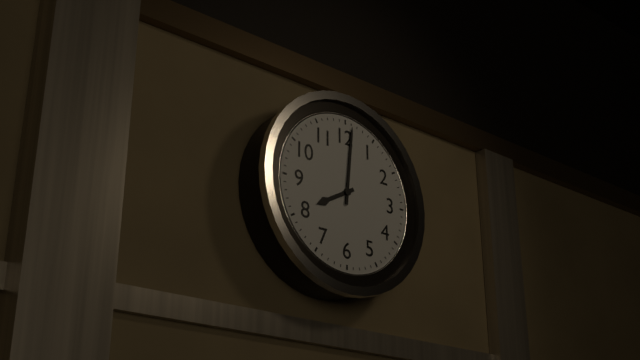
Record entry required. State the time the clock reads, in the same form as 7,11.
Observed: 8,01
